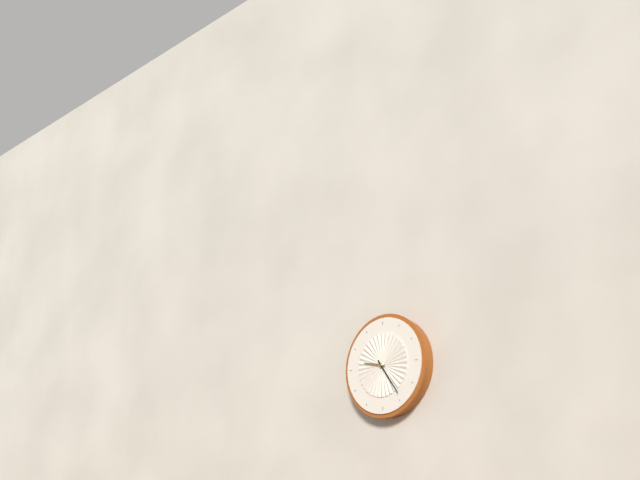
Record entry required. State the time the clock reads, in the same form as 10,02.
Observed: 9,24
